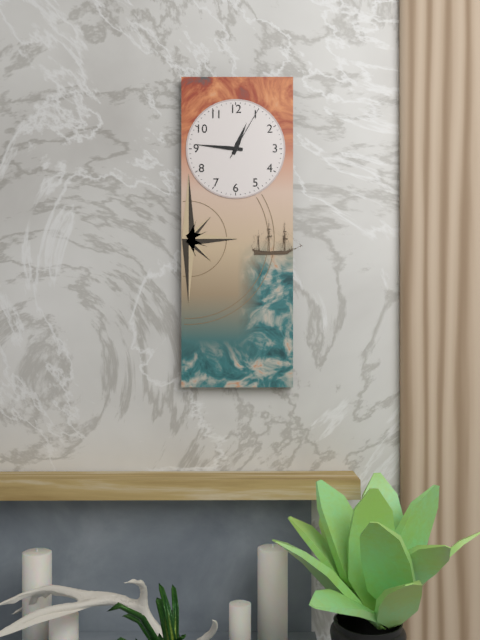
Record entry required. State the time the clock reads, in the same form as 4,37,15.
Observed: 12,46,05
